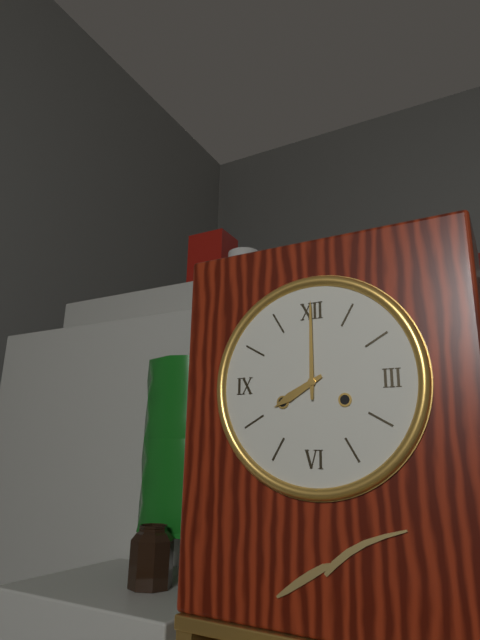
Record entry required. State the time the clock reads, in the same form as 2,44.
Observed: 8,00
